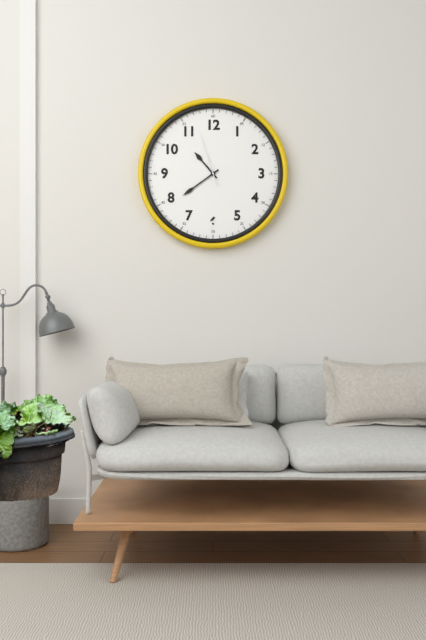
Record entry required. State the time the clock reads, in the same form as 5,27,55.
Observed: 10,39,57
